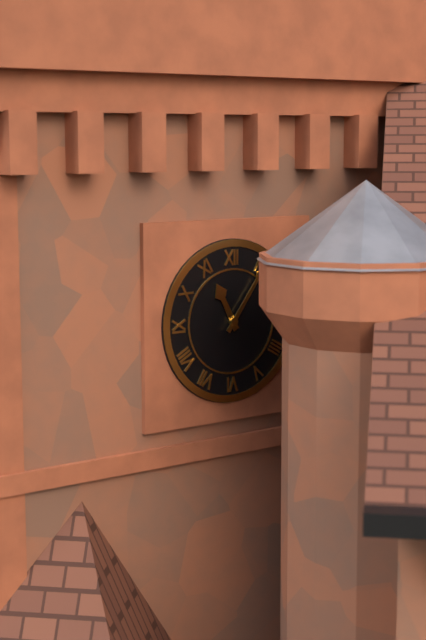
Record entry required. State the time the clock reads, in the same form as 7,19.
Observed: 11,06
